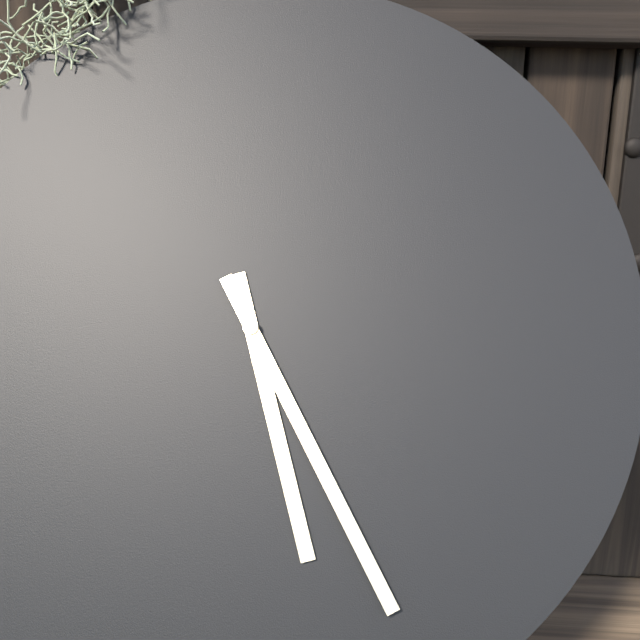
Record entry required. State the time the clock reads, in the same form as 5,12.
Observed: 5,25
